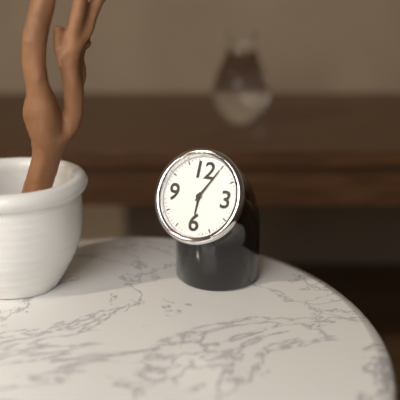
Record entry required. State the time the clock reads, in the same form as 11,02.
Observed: 6,05
